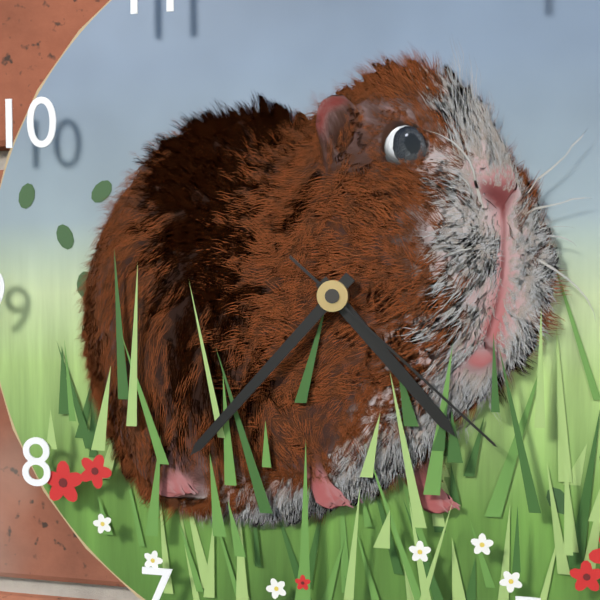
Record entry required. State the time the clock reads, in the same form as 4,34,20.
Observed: 4,37,22
